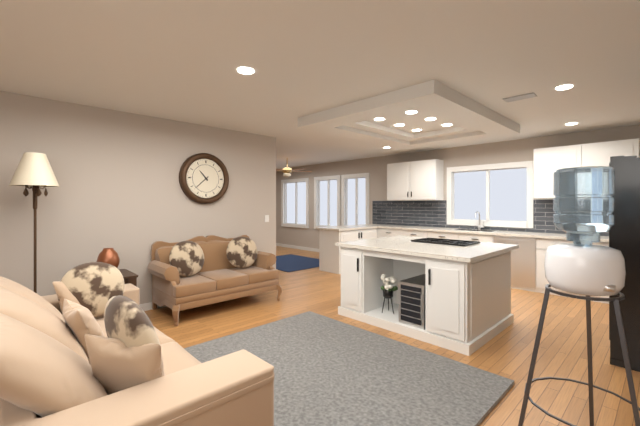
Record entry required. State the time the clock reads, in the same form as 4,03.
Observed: 10,38
